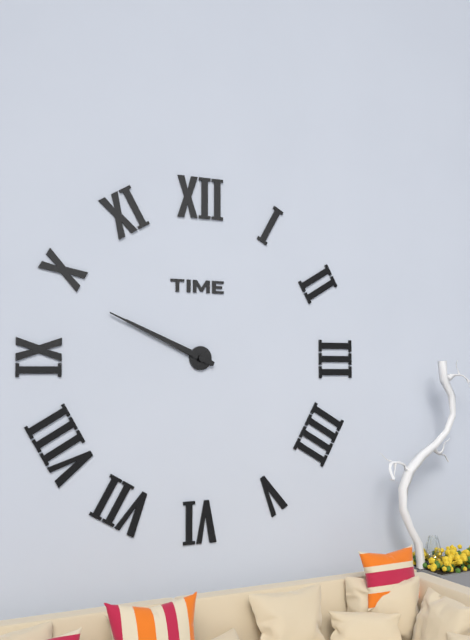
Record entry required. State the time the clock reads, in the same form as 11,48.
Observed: 9,49
